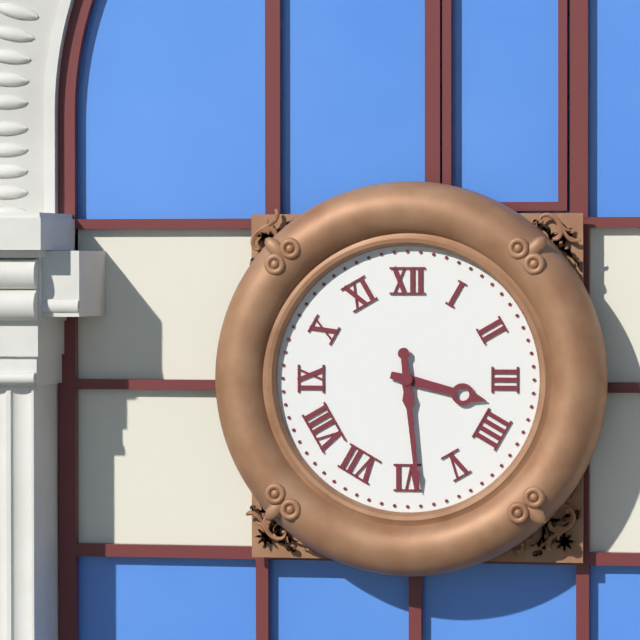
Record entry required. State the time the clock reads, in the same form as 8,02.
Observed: 3,29
